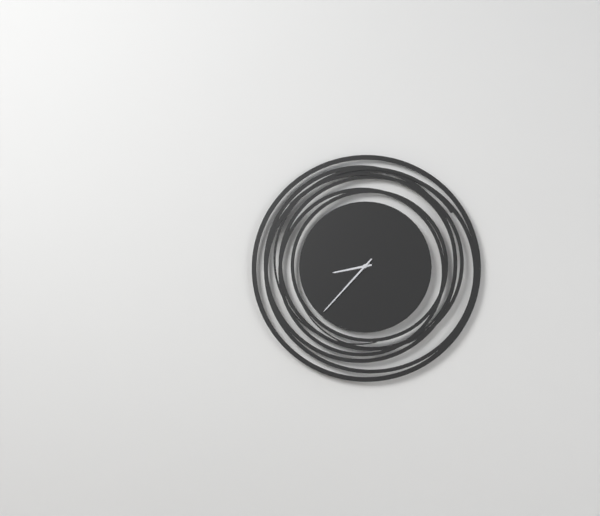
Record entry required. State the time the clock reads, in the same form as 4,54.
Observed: 8,37
